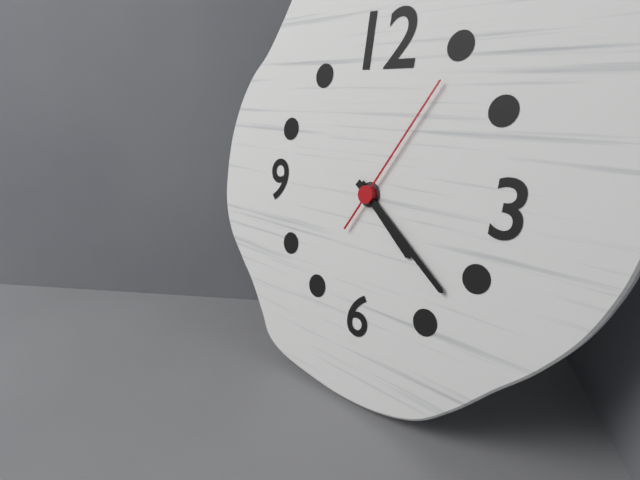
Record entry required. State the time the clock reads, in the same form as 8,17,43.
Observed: 4,21,05
